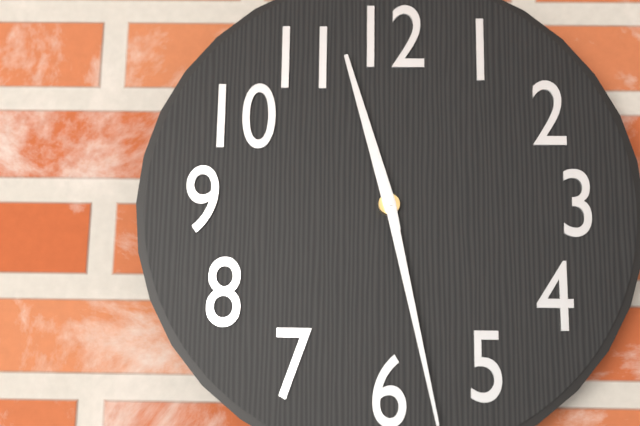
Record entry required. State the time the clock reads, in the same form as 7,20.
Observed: 11,28
